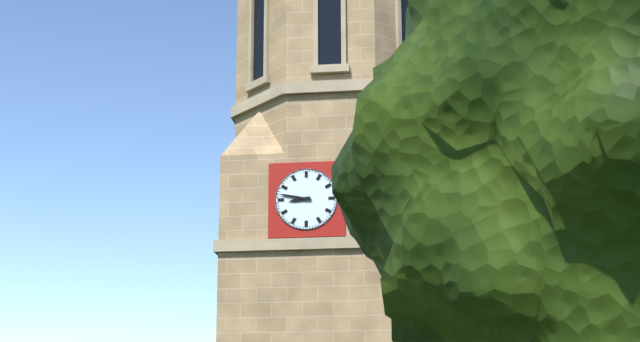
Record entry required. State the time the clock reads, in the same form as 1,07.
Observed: 8,47
